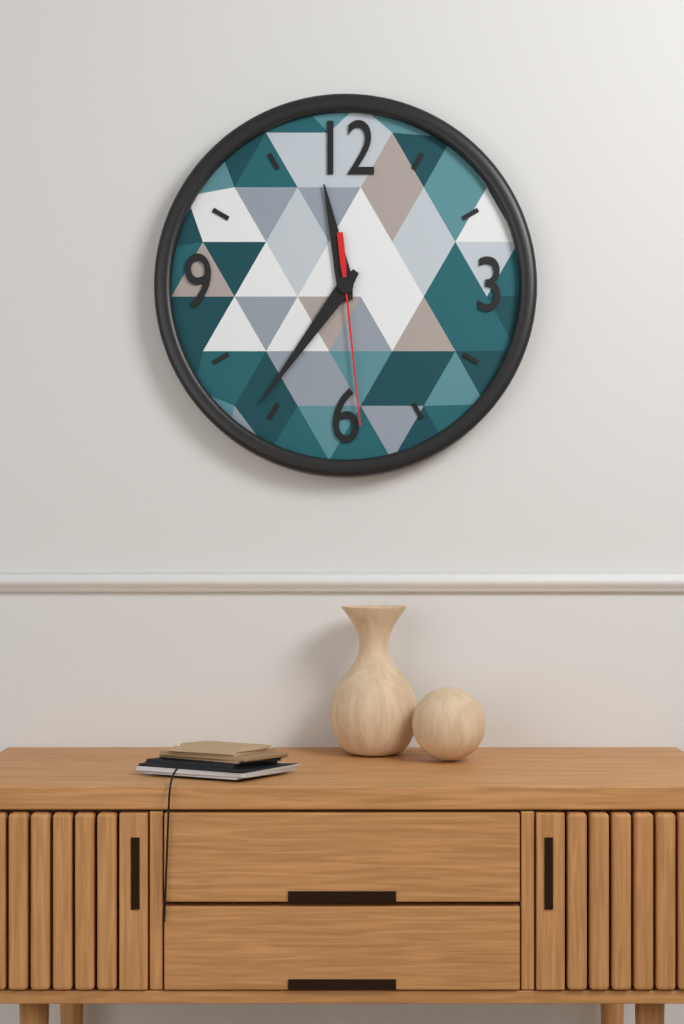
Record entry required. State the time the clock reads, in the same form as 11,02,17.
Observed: 11,36,29
